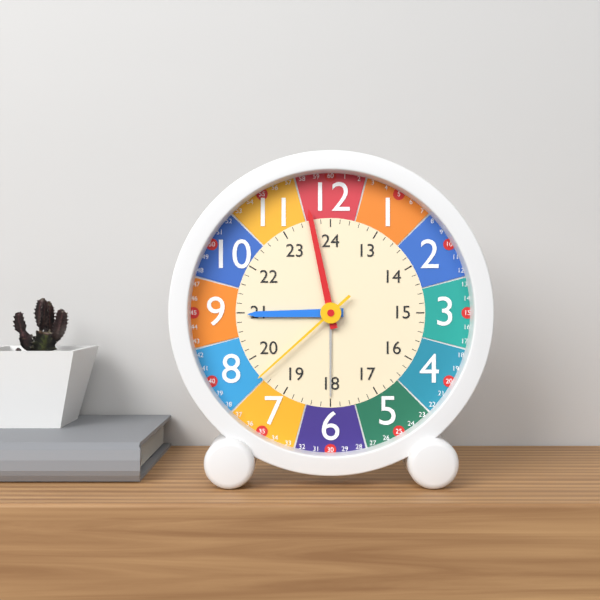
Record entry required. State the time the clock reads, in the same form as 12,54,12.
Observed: 8,58,38
